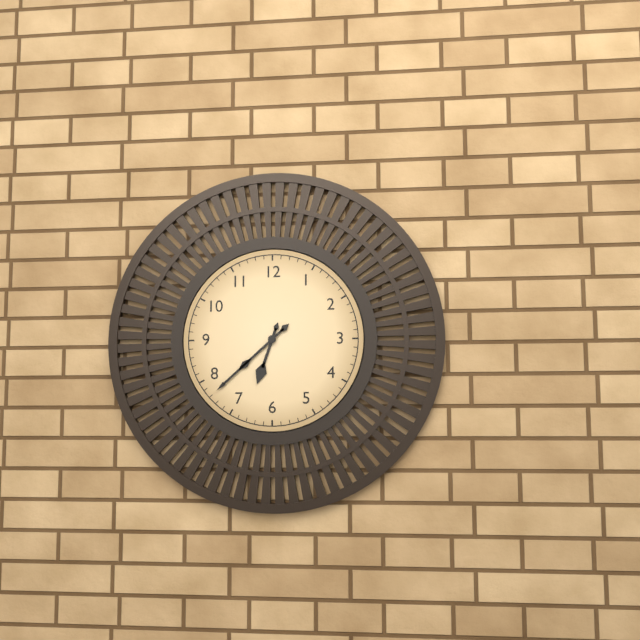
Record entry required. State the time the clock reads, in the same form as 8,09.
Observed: 6,38
